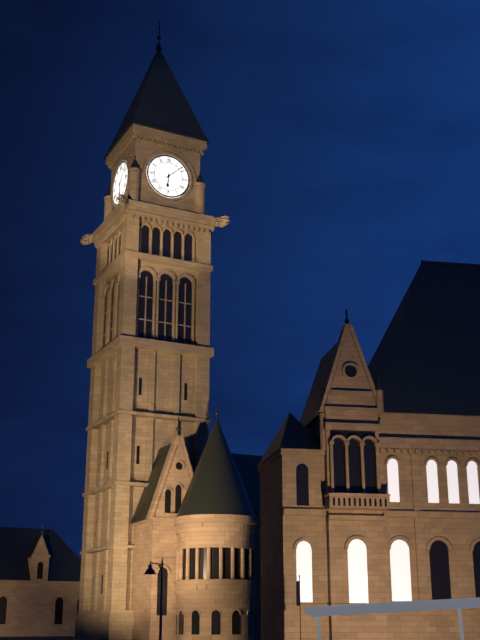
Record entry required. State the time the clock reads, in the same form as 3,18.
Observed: 6,08
